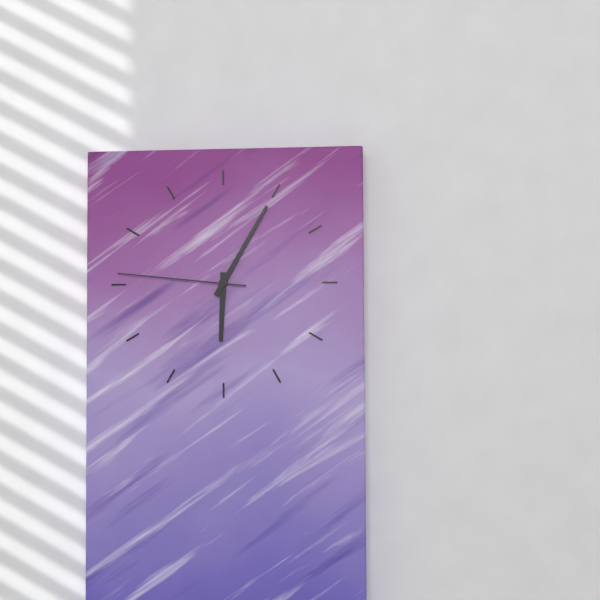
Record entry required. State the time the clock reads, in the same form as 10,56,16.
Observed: 6,05,46
